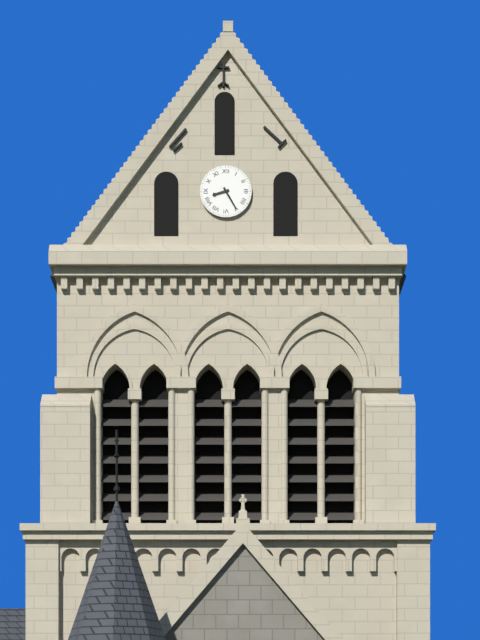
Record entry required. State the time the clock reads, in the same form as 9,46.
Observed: 8,25
